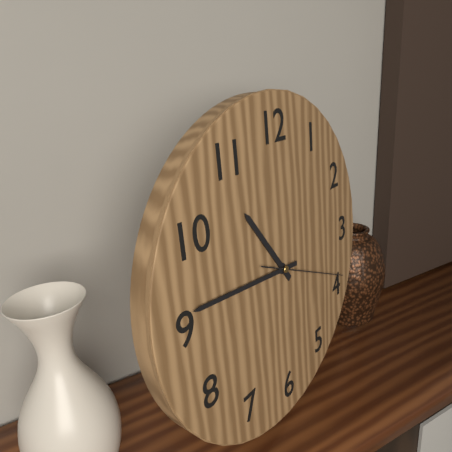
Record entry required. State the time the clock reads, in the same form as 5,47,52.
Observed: 10,46,19
